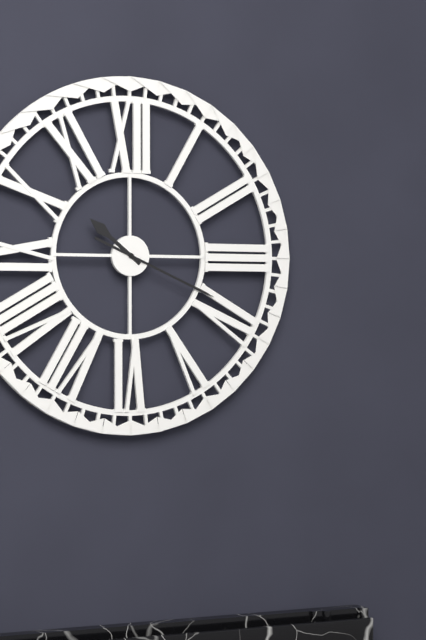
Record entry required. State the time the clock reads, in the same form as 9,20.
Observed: 10,19
